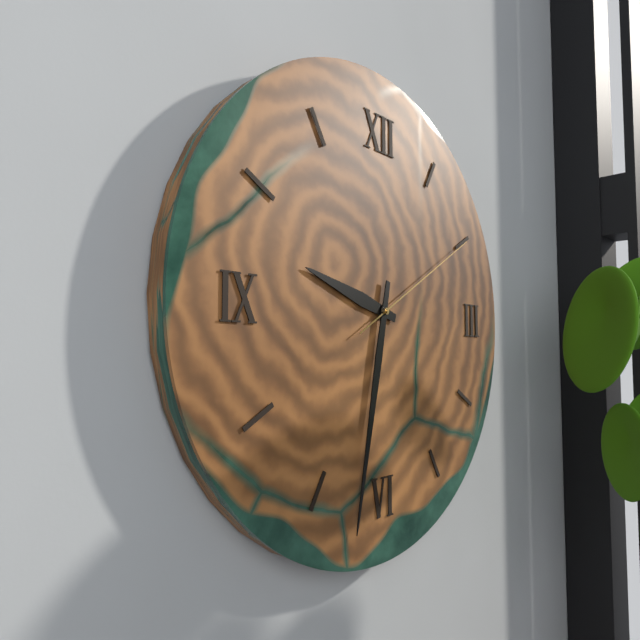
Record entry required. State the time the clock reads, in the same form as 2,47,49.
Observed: 9,32,10
